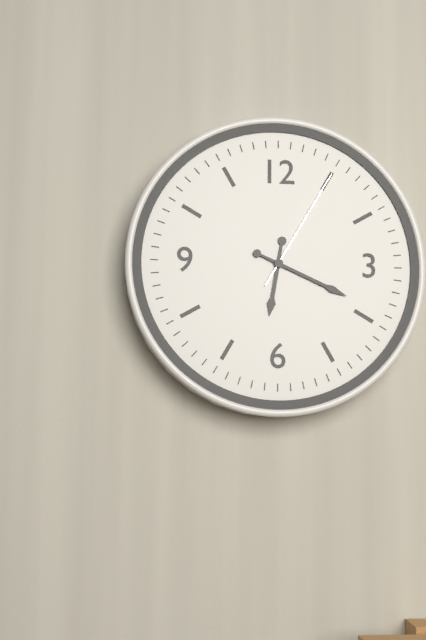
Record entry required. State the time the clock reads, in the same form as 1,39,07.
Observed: 6,19,05
